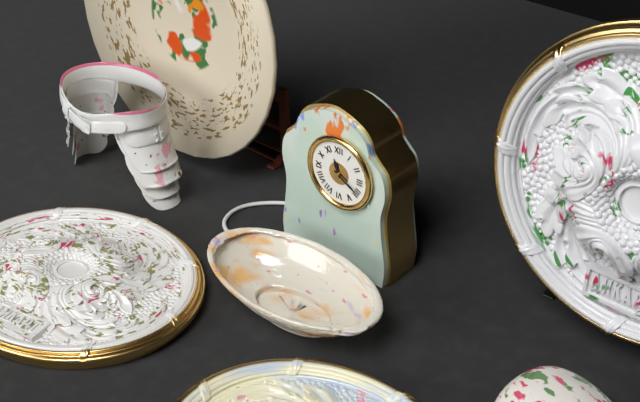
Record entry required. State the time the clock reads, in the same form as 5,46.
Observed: 11,20
